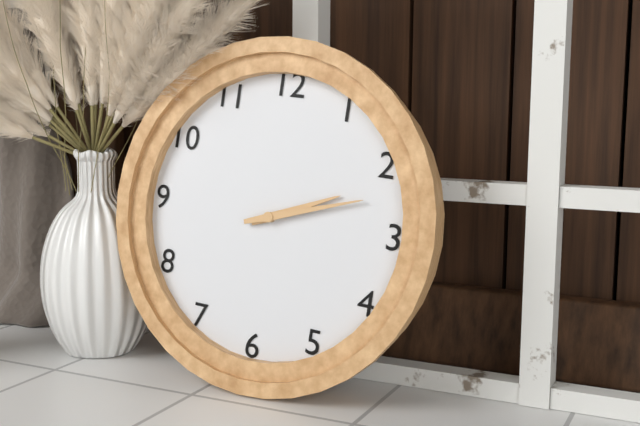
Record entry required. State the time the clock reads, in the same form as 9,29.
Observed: 2,12
